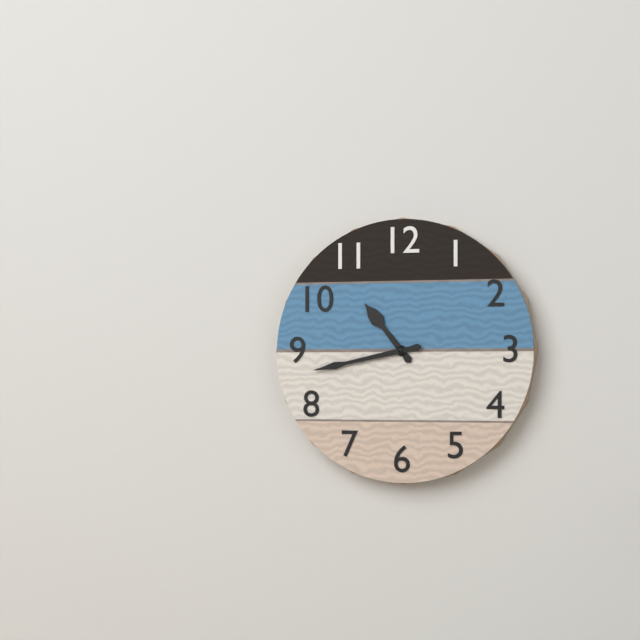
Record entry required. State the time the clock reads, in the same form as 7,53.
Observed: 10,43
